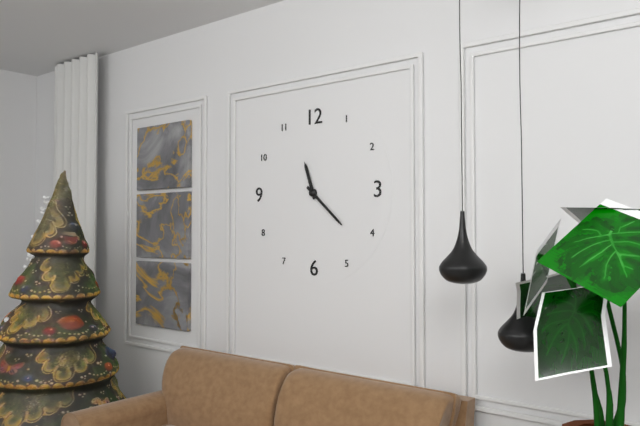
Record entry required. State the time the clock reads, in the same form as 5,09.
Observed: 11,22
